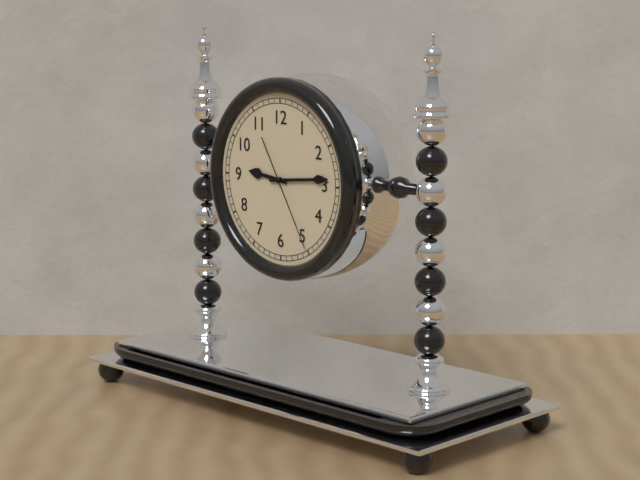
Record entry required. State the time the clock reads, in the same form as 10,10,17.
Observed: 9,14,25
